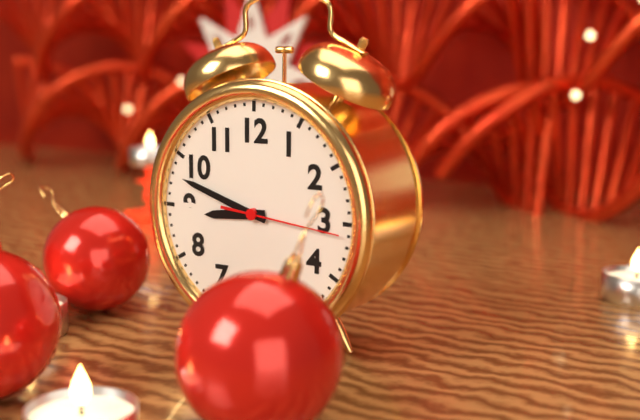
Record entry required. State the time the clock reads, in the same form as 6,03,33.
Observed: 8,48,16
